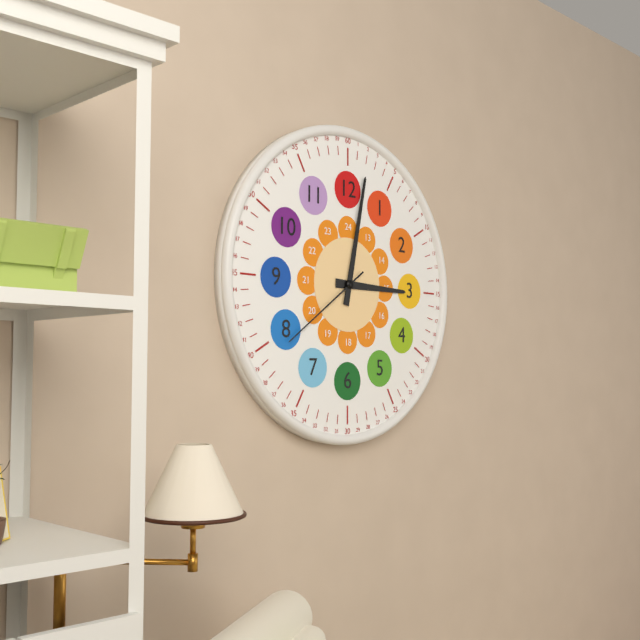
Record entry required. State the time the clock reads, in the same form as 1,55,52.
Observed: 3,02,39
